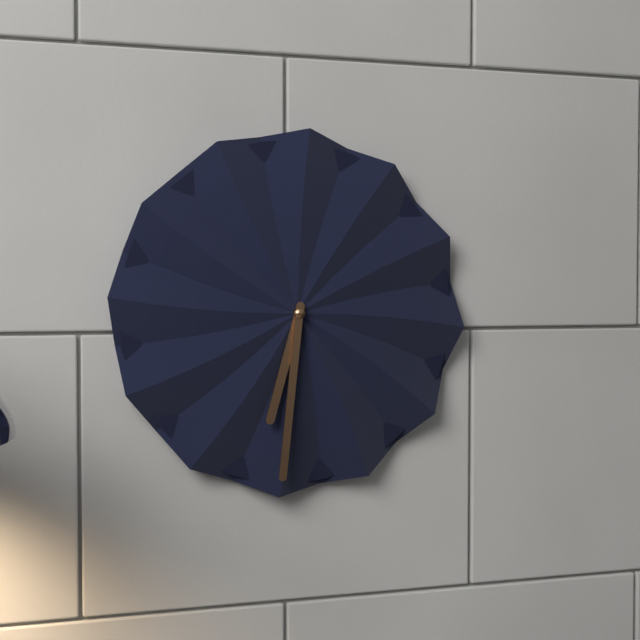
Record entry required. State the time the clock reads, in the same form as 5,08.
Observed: 6,31
